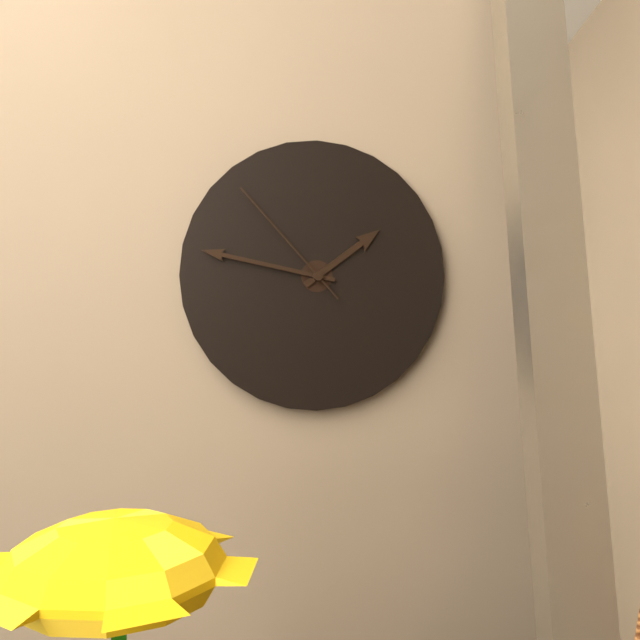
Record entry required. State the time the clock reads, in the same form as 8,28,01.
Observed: 1,47,53
